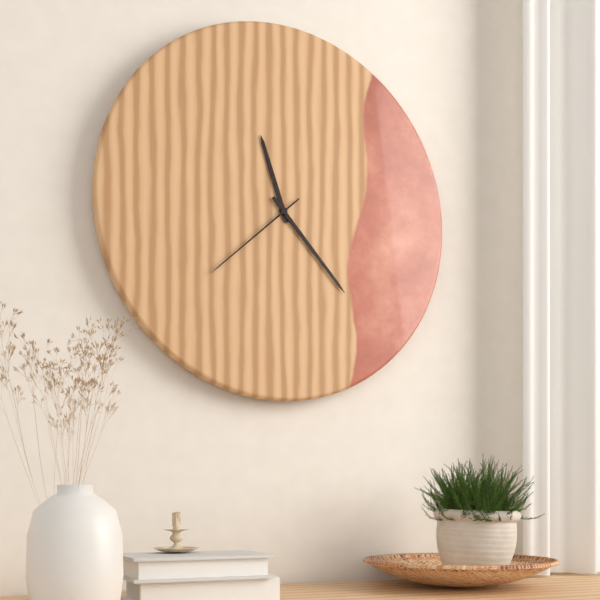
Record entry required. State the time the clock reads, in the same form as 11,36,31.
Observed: 11,23,38
